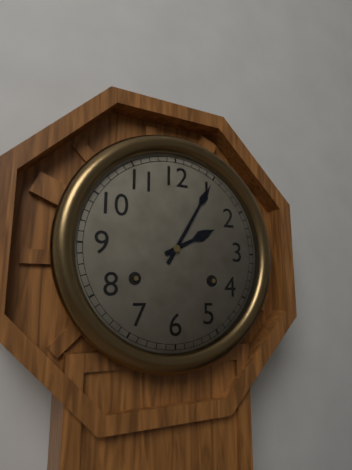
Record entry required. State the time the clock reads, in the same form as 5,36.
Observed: 2,05
